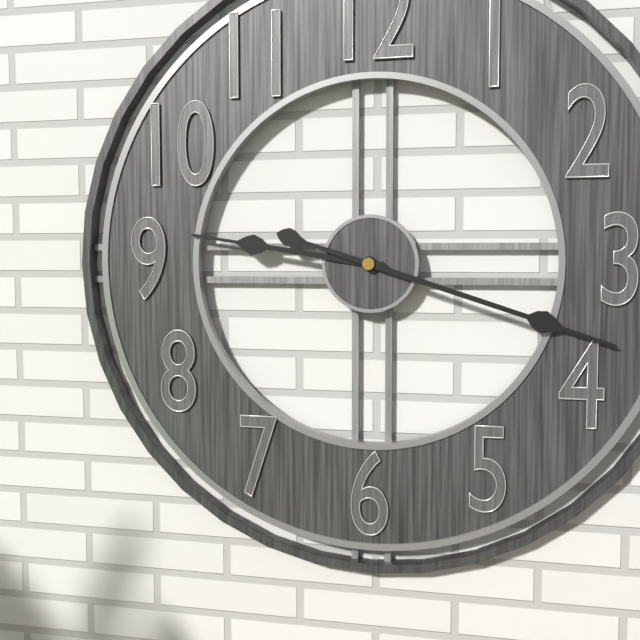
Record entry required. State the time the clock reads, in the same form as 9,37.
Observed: 9,18
